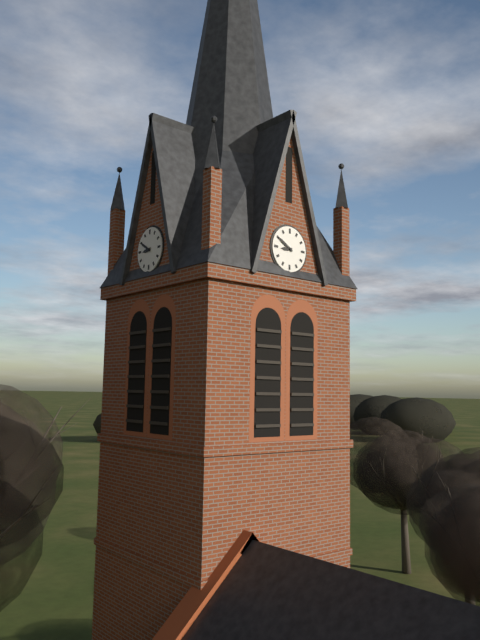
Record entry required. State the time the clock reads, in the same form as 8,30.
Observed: 8,50
